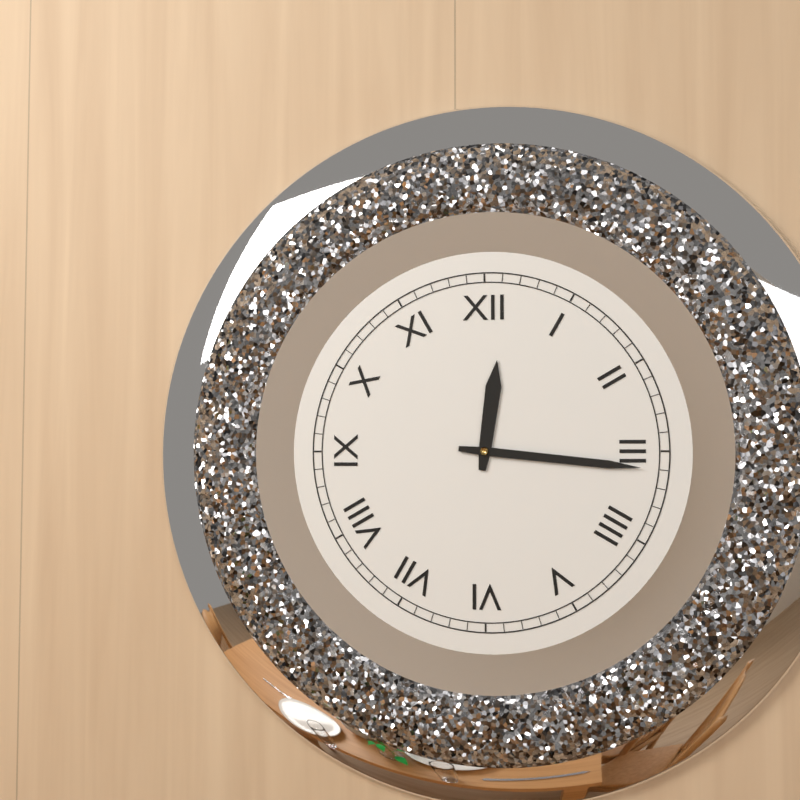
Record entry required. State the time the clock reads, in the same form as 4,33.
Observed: 12,16
